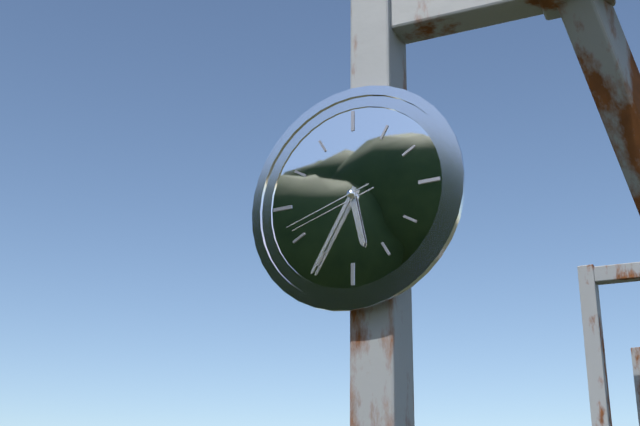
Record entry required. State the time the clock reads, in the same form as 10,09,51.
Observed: 5,35,42
